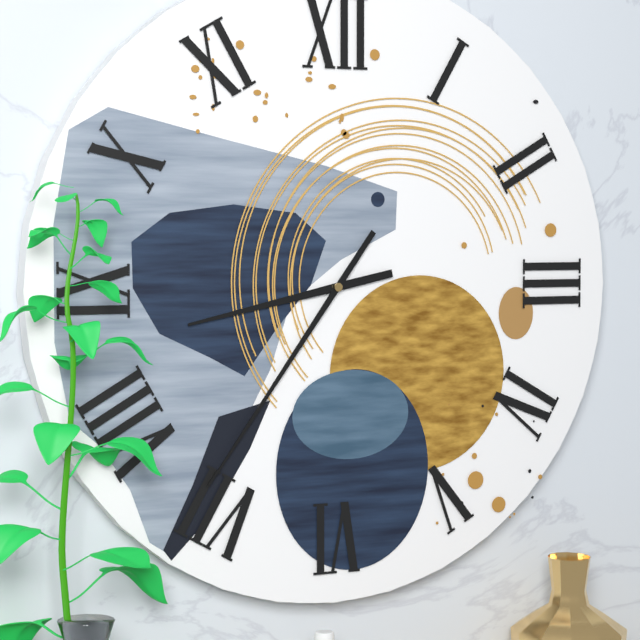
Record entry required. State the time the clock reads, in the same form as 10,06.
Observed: 8,36
